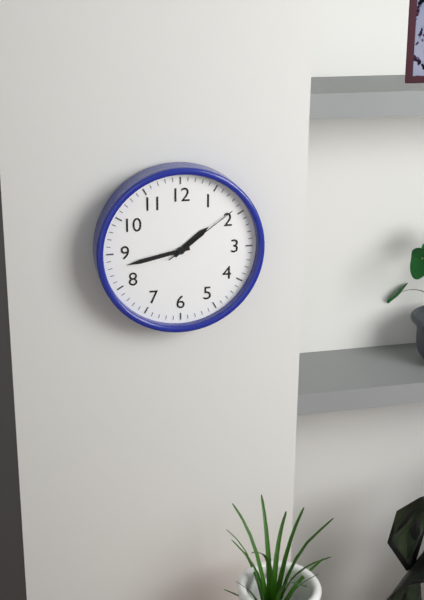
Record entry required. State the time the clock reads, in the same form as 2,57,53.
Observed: 1,43,09
